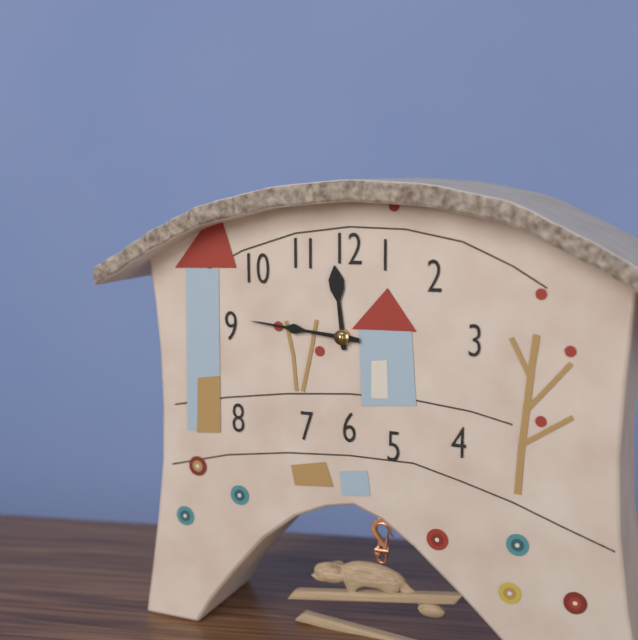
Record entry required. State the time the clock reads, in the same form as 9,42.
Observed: 11,46
